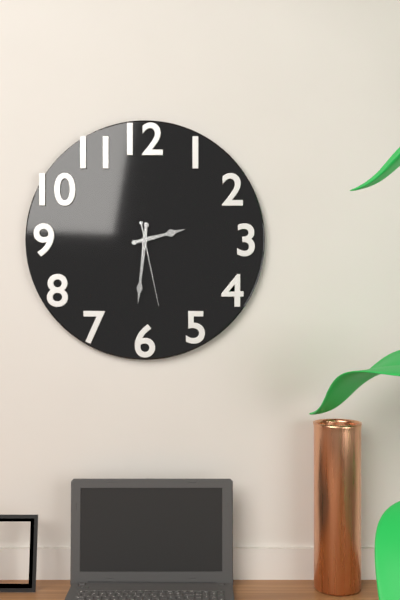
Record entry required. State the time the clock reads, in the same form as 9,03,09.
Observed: 2,31,28
